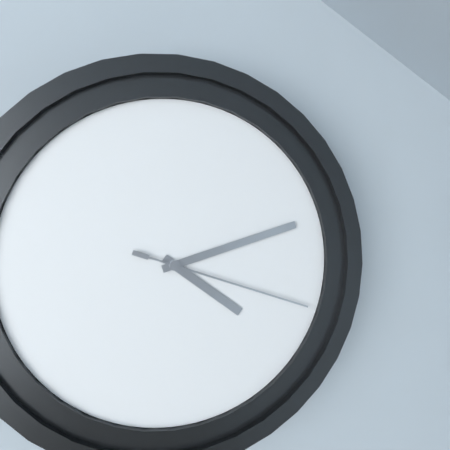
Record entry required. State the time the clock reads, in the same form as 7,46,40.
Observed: 4,12,18
